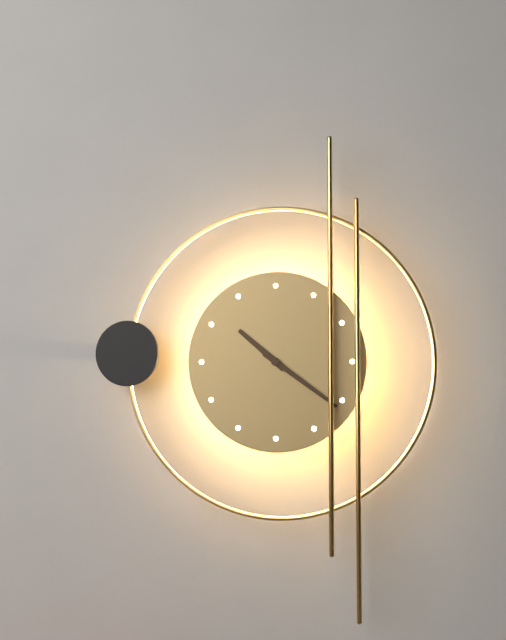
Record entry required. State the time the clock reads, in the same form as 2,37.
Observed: 10,21
